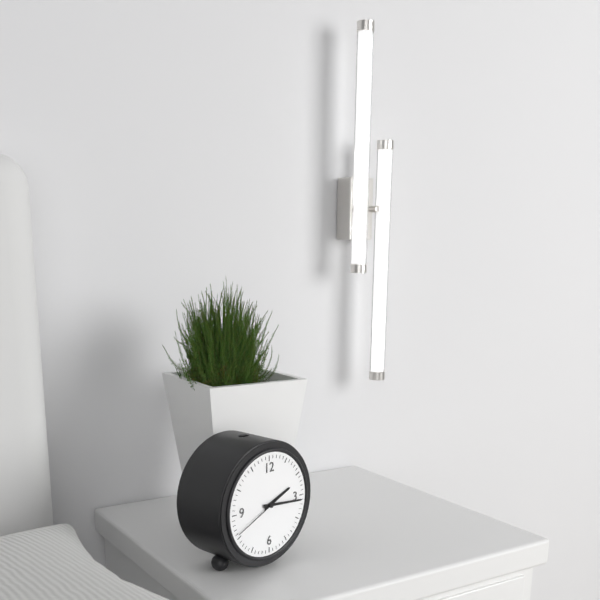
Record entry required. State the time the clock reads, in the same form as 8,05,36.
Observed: 2,16,41
